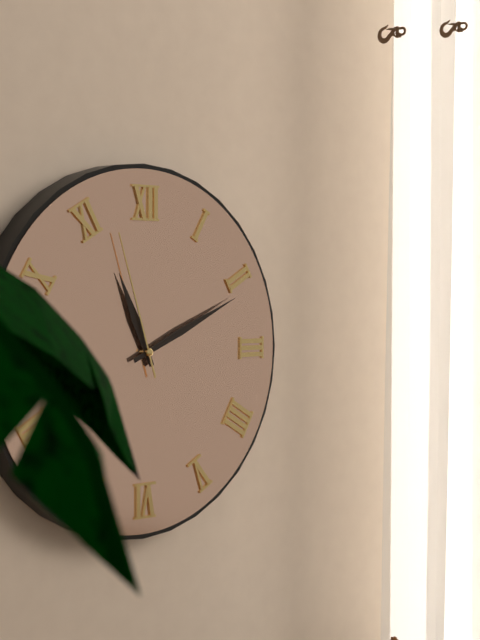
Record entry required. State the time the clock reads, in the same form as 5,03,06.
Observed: 11,11,57
